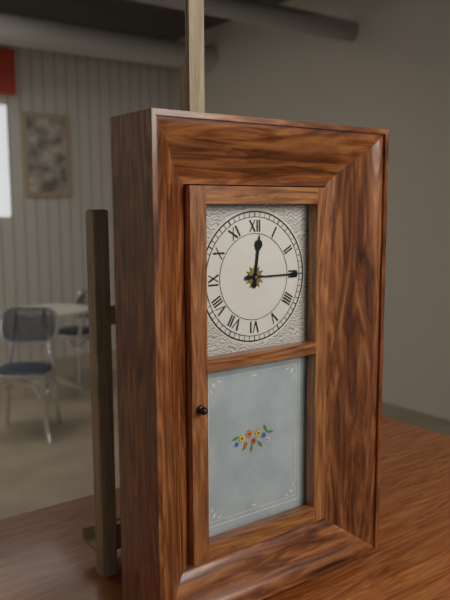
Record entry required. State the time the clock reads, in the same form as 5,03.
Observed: 12,15
